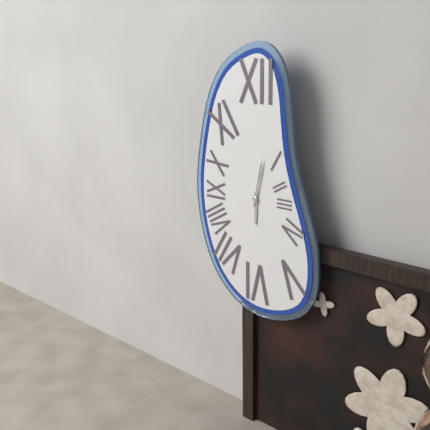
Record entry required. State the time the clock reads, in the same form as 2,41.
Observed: 6,02
